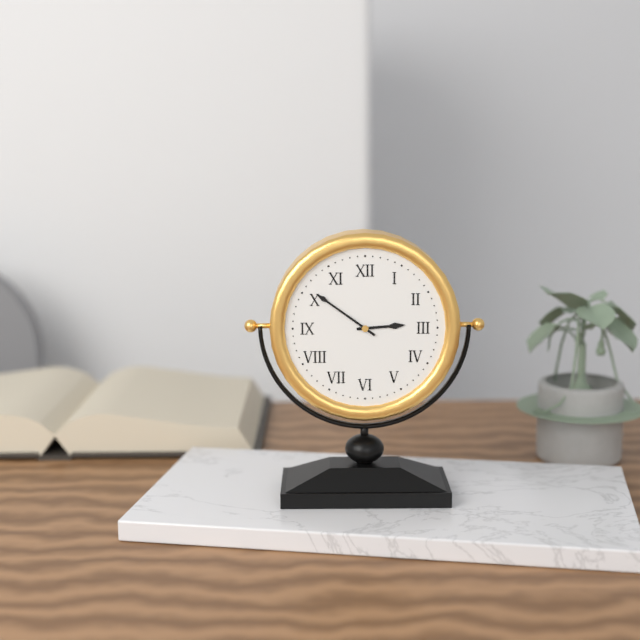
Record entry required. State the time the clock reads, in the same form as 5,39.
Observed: 2,51
